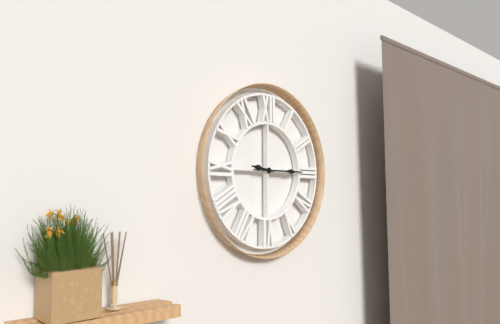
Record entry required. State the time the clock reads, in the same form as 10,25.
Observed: 9,15
